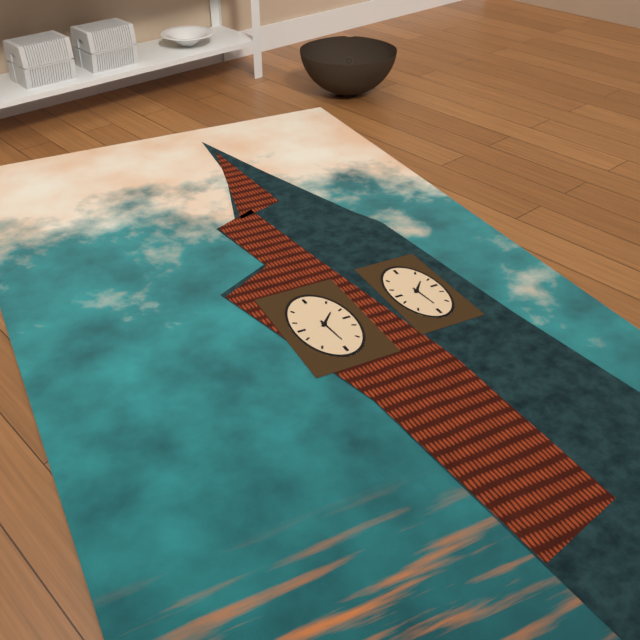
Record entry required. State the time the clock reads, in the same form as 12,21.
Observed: 1,29
